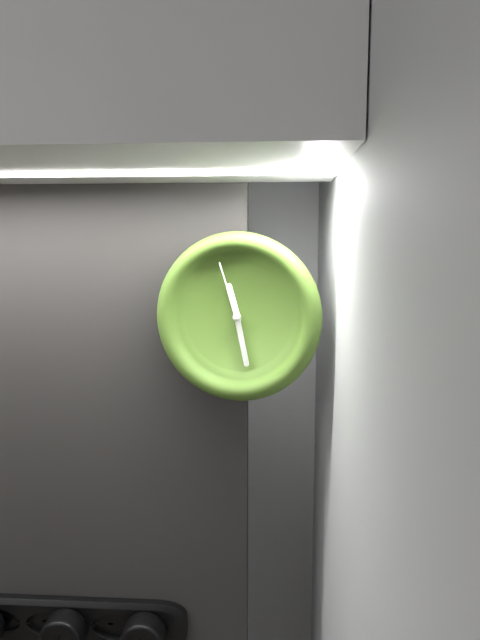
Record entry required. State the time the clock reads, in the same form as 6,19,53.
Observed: 11,28,57
